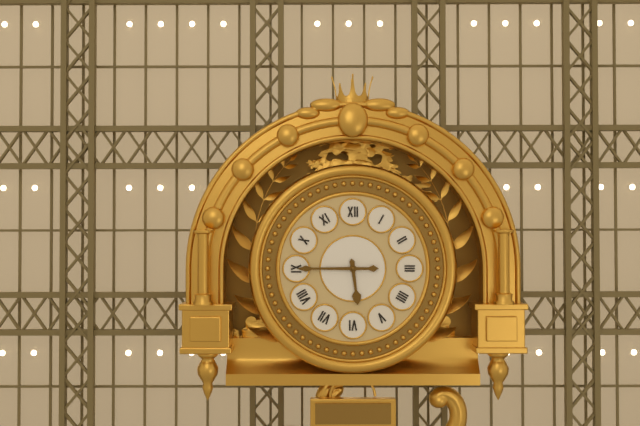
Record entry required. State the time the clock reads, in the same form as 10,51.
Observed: 5,45
